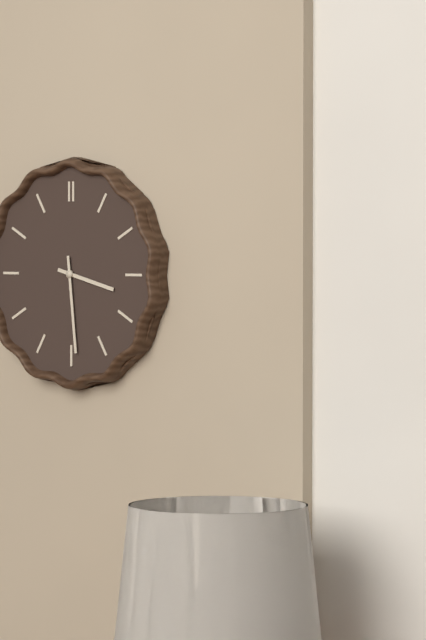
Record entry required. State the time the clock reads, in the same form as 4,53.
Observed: 3,29
